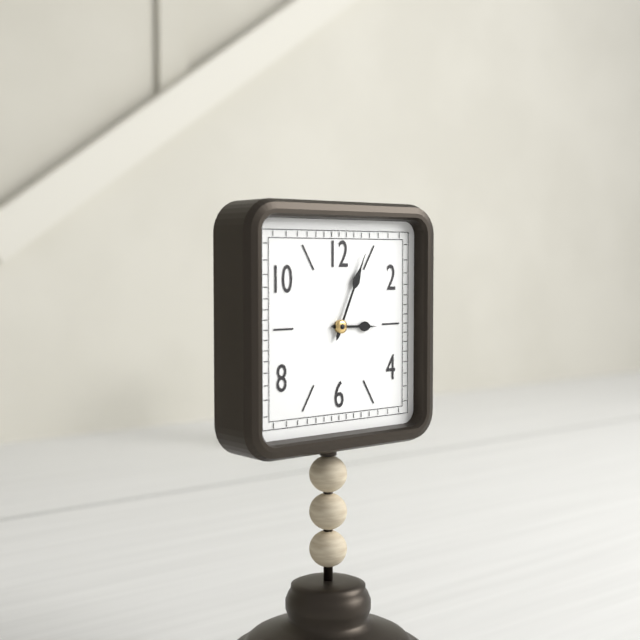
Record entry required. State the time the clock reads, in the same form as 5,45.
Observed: 3,04
